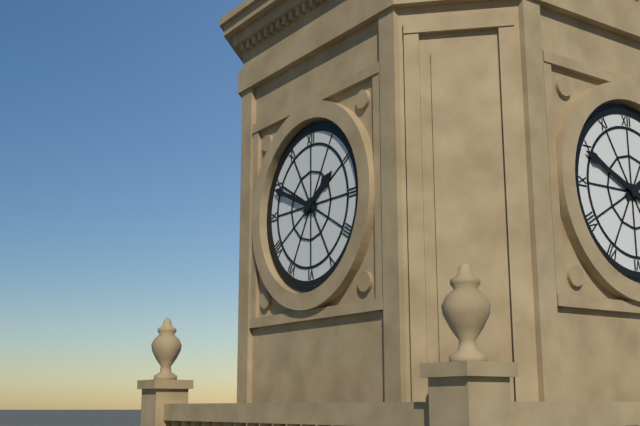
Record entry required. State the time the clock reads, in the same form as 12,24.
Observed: 1,49
